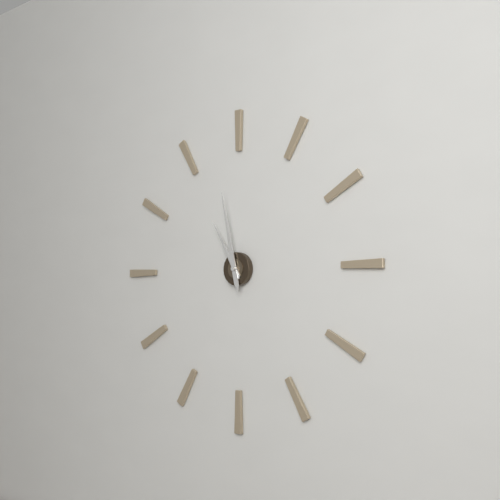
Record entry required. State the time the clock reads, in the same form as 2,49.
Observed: 10,58
